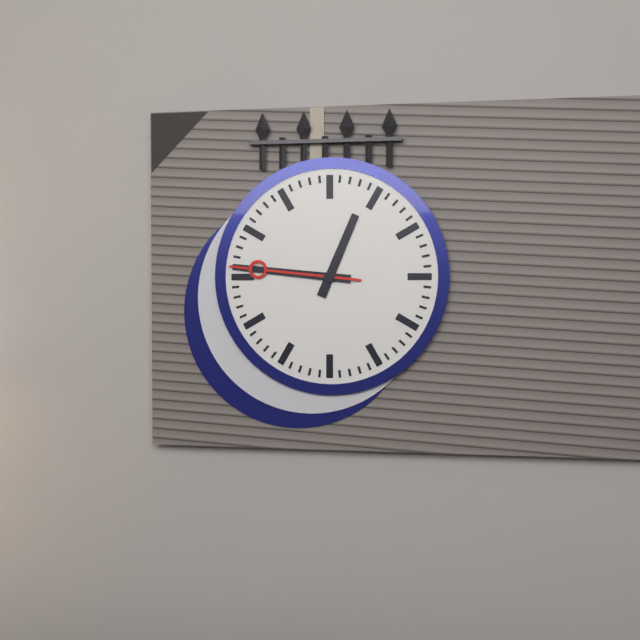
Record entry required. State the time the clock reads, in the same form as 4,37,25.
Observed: 12,46,46
